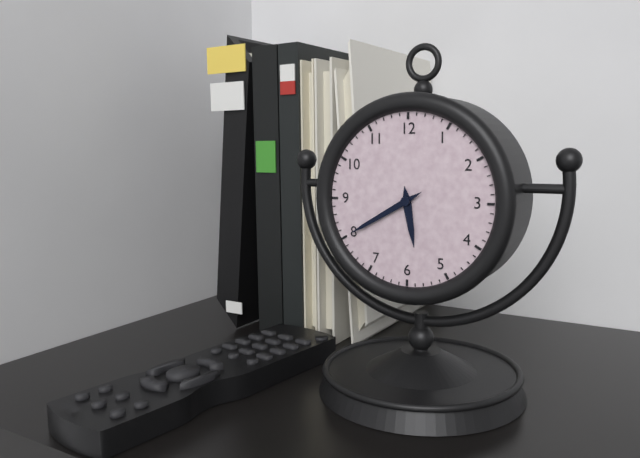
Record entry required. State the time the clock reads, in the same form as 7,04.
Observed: 5,40
